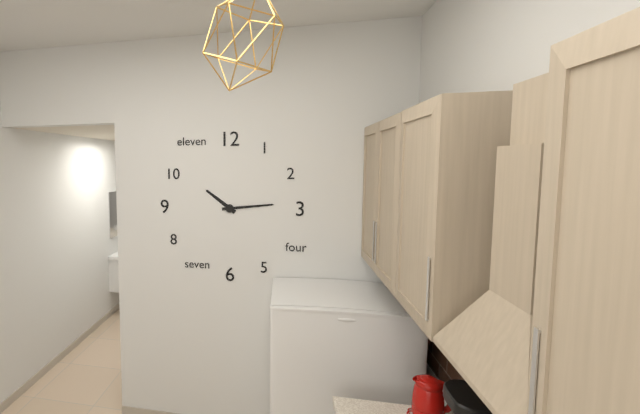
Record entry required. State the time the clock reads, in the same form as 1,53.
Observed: 10,14
